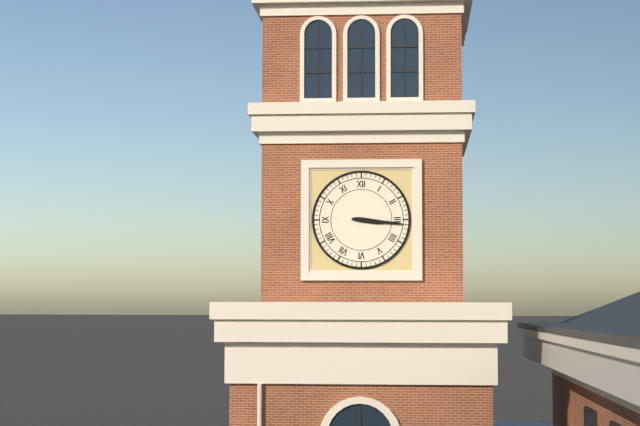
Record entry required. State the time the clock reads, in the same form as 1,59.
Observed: 3,16
